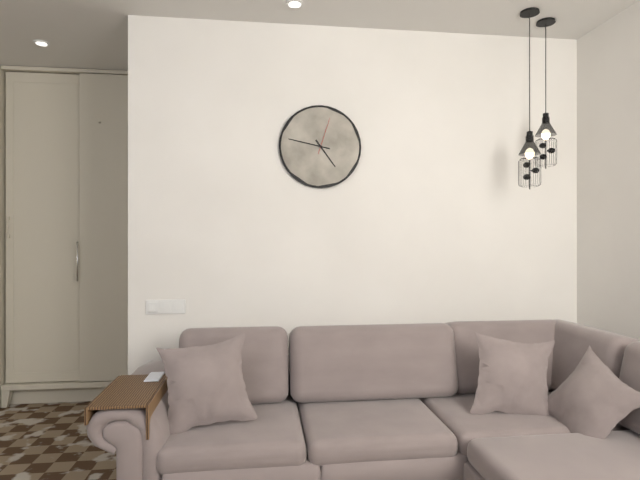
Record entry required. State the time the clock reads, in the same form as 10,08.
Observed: 4,47
